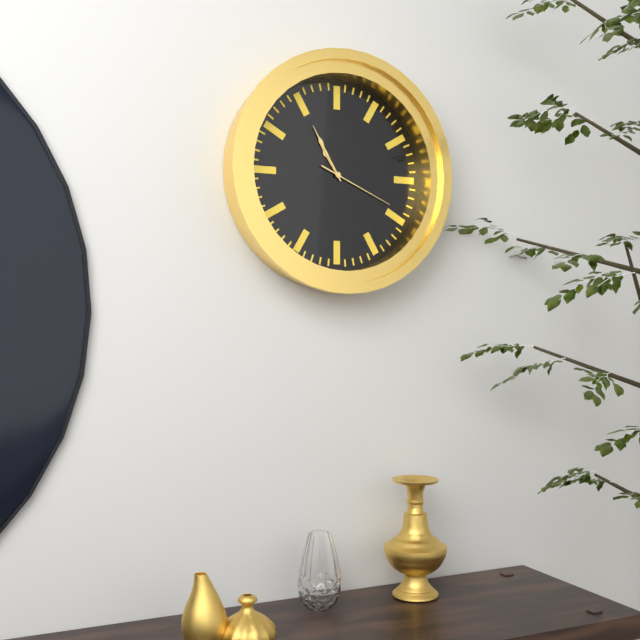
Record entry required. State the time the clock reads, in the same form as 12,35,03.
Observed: 10,55,19
